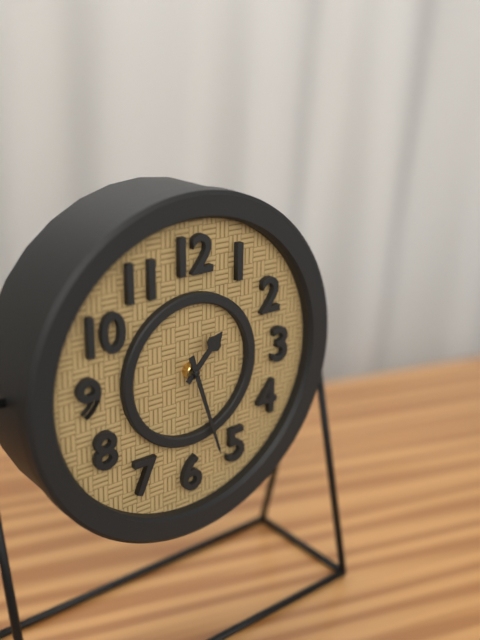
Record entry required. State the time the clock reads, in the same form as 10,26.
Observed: 1,27
